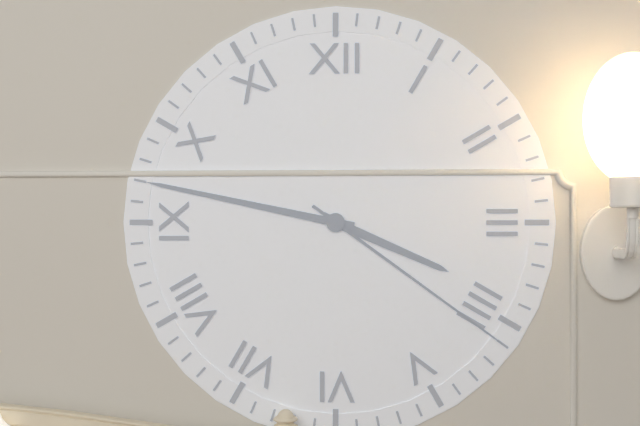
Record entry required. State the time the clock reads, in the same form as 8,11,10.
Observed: 3,47,21
